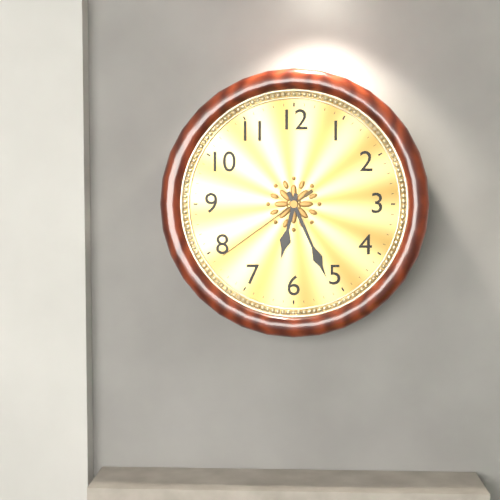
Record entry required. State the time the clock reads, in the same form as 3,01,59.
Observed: 6,26,39
